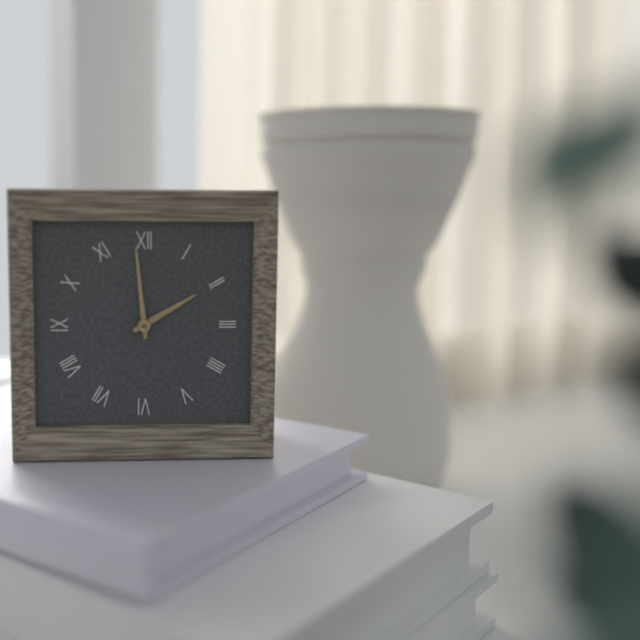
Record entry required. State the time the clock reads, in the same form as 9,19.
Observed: 1,59
